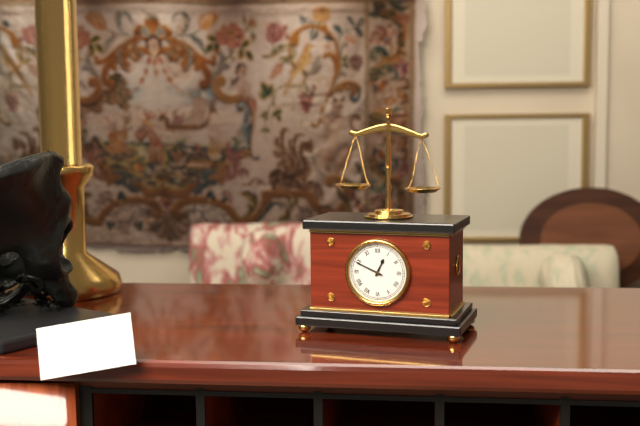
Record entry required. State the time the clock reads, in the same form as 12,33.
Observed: 12,49
